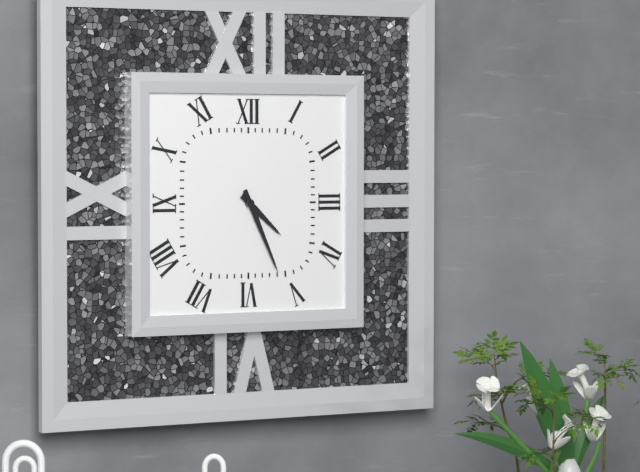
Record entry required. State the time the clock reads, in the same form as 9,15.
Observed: 4,26
